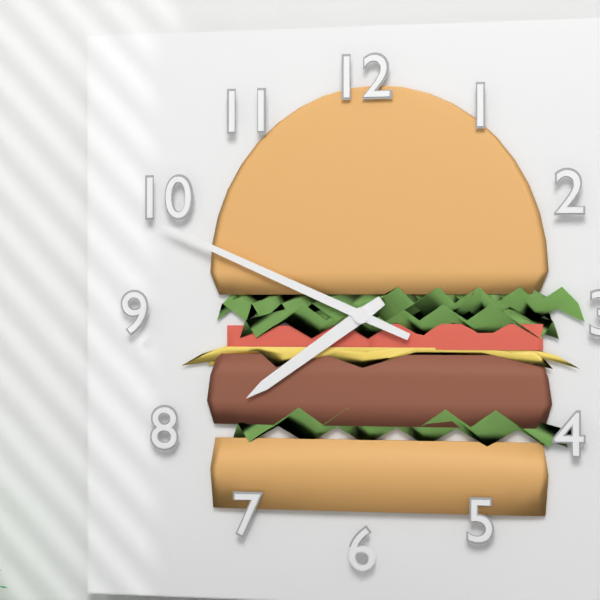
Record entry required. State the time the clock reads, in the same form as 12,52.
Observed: 7,49
